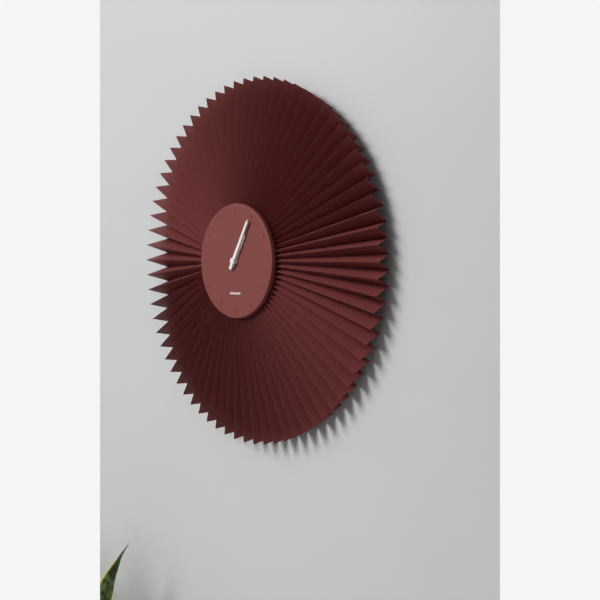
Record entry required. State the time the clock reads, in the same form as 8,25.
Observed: 1,05
